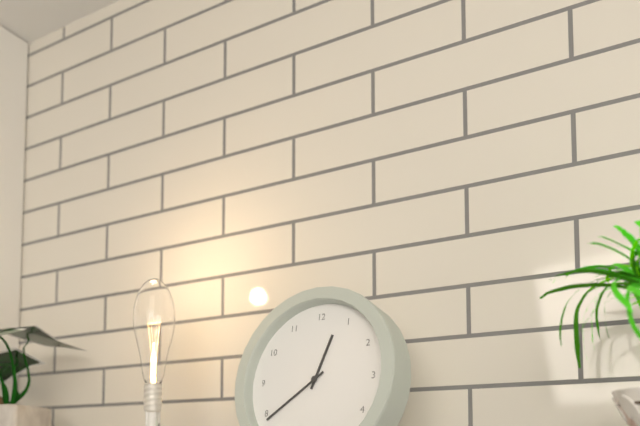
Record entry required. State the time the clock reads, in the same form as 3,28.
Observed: 12,39
